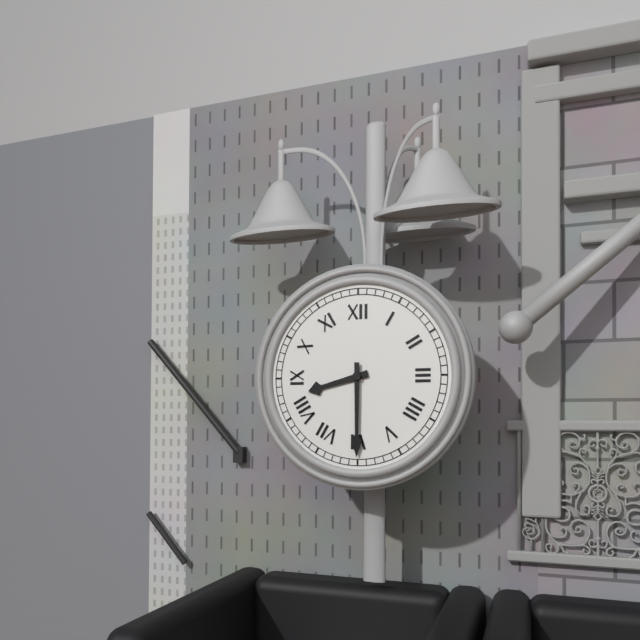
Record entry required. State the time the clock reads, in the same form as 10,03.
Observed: 8,30
